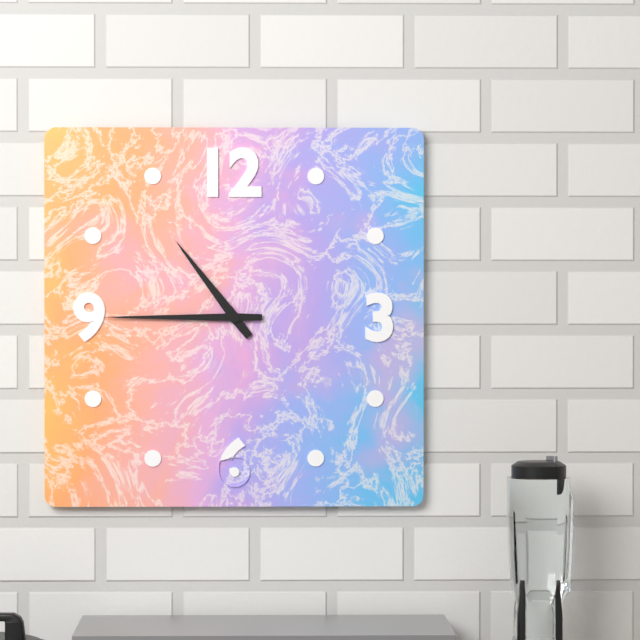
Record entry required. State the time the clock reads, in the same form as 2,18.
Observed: 10,45
